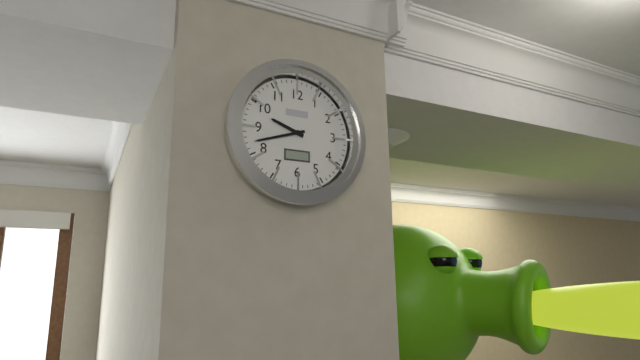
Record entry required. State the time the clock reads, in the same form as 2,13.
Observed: 9,42
